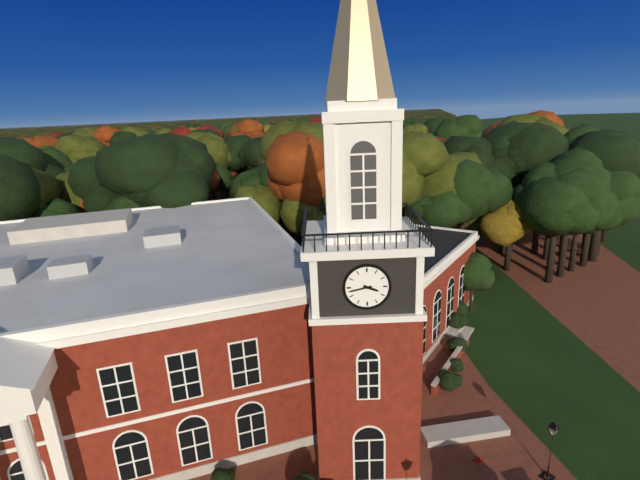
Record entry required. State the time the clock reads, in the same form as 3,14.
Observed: 3,43
